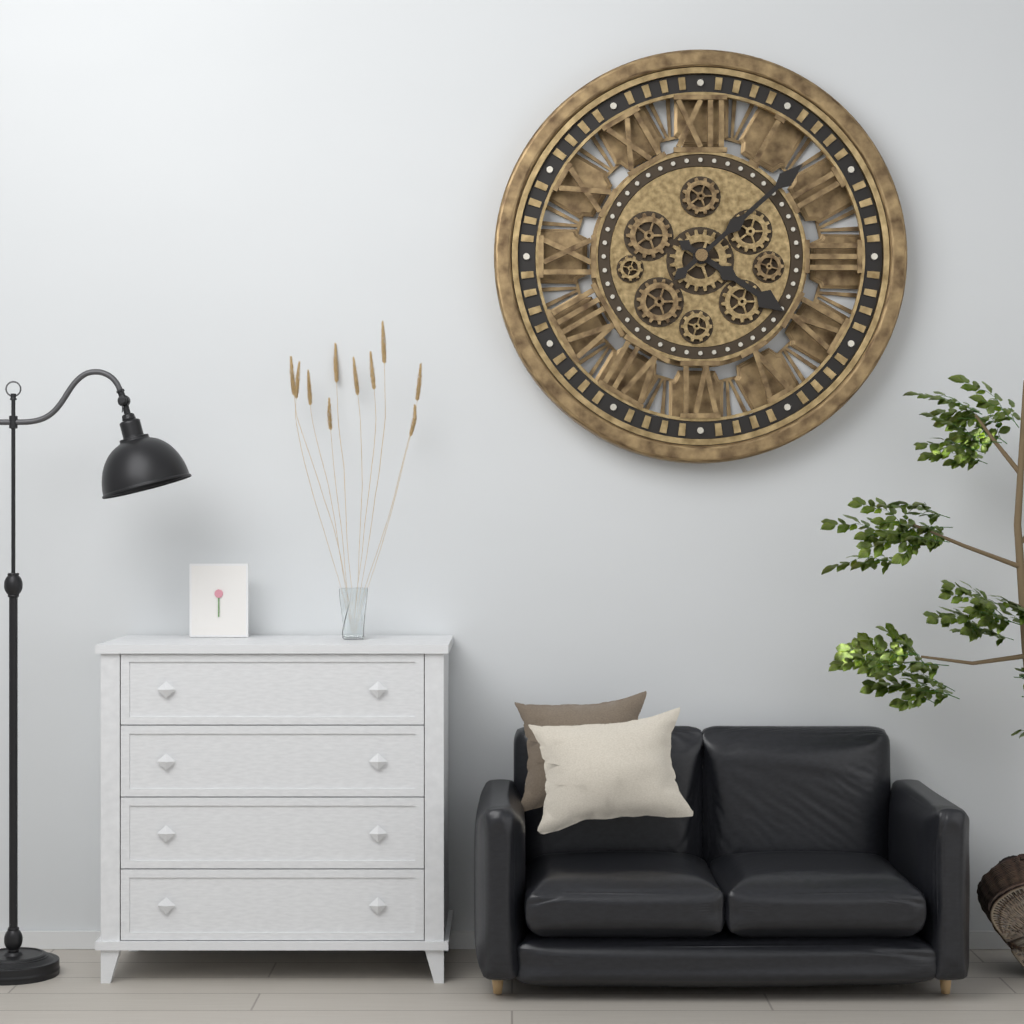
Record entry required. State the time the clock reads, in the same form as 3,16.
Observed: 4,08
